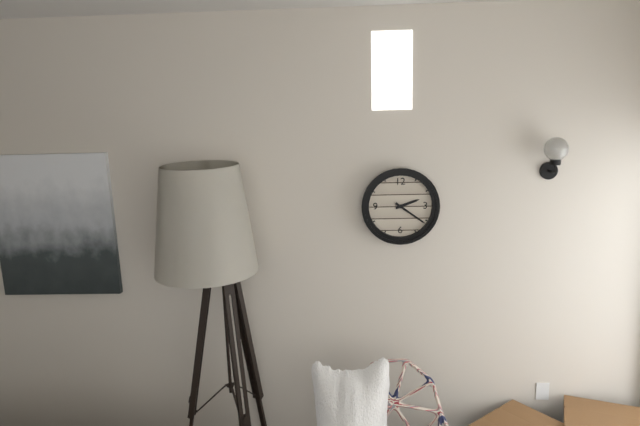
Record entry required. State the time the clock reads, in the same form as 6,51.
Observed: 2,21
